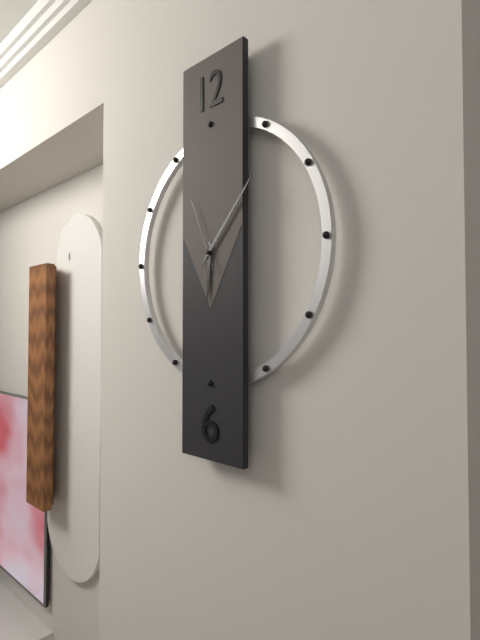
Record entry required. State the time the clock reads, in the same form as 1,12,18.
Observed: 6,07,56
